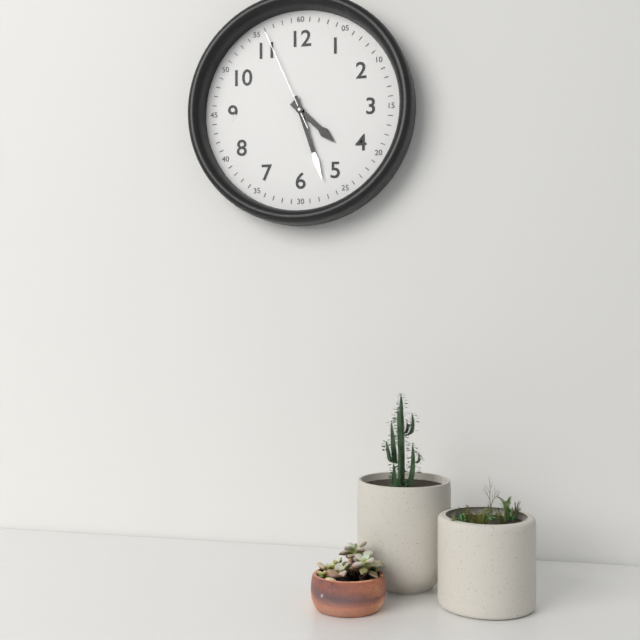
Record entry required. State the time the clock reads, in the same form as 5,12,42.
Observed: 4,27,56
